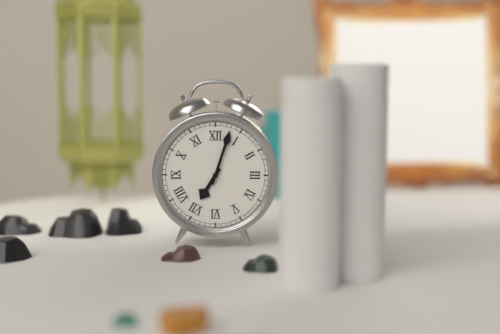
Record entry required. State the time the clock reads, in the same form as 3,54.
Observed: 7,03
